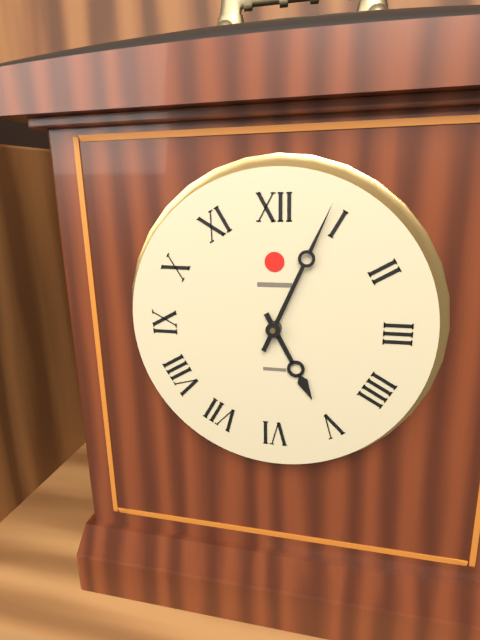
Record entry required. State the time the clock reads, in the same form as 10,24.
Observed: 5,04
